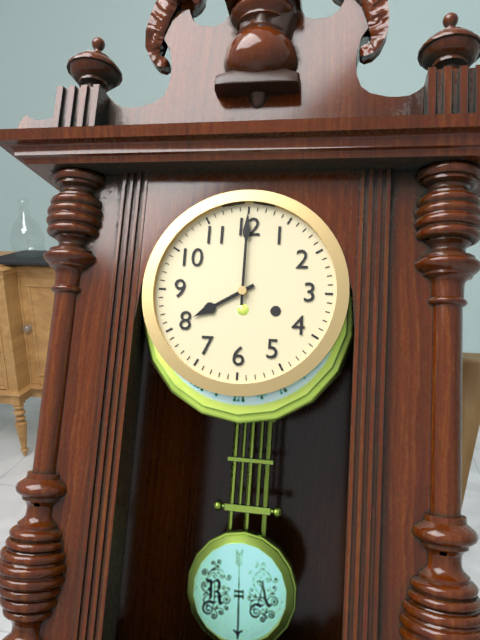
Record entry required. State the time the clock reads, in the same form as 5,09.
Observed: 8,00
